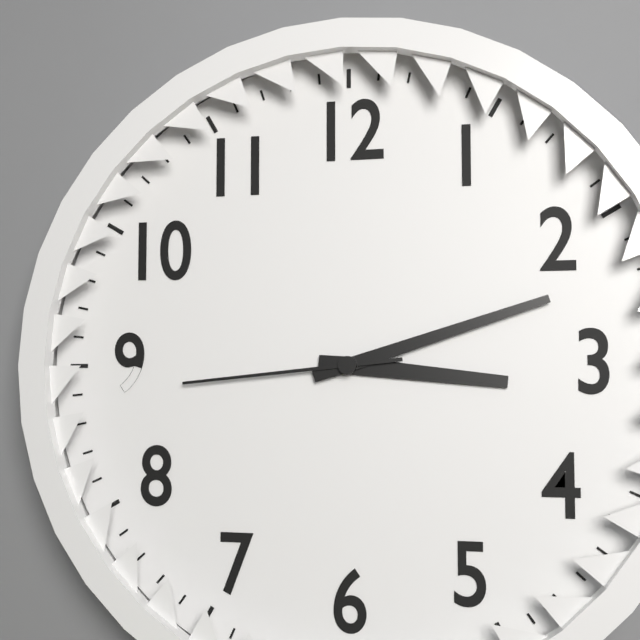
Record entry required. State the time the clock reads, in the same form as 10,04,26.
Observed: 3,12,44
